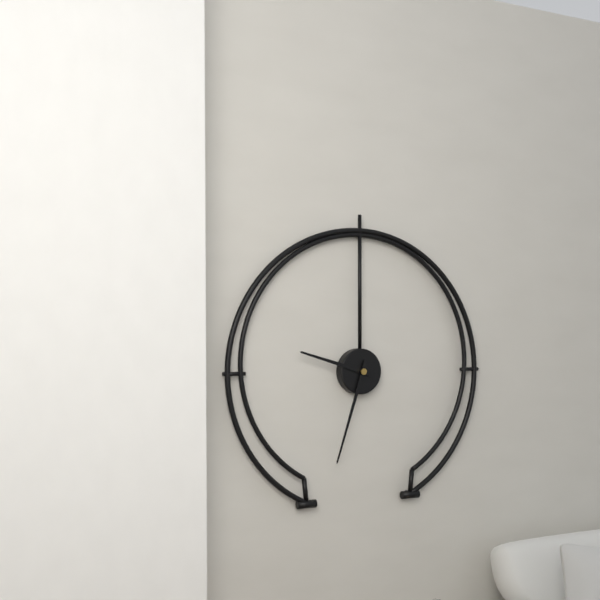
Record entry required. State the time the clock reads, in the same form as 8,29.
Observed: 9,33
